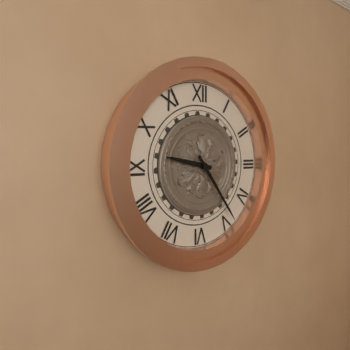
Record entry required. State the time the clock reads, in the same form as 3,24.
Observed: 9,24
